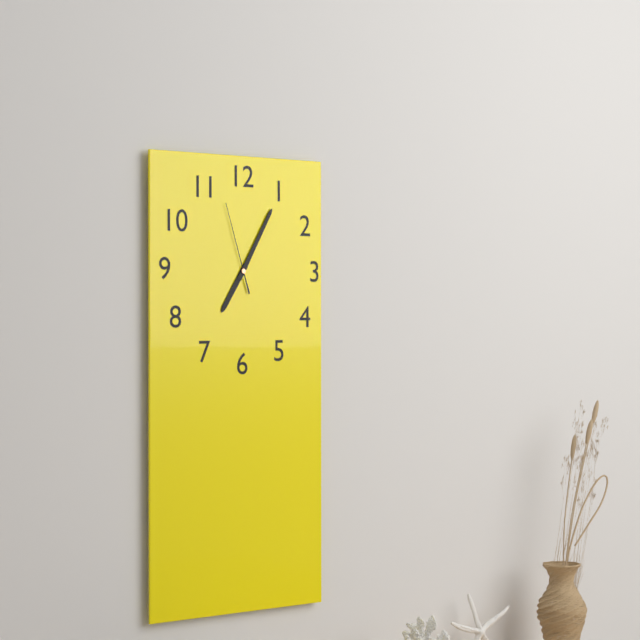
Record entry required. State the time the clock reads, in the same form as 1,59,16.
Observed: 7,05,57
